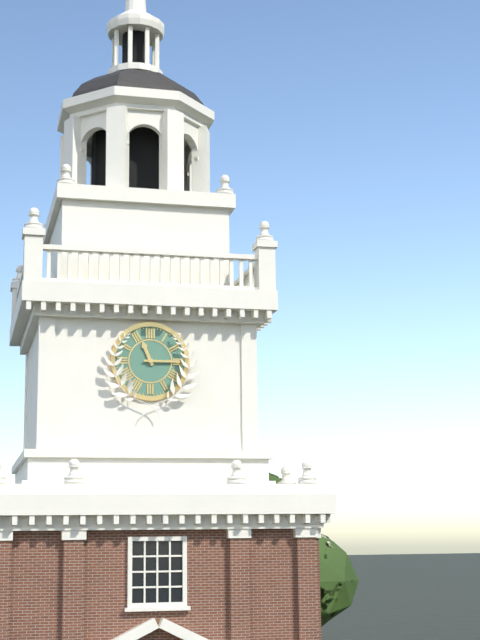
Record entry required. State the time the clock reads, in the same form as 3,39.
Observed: 11,15
